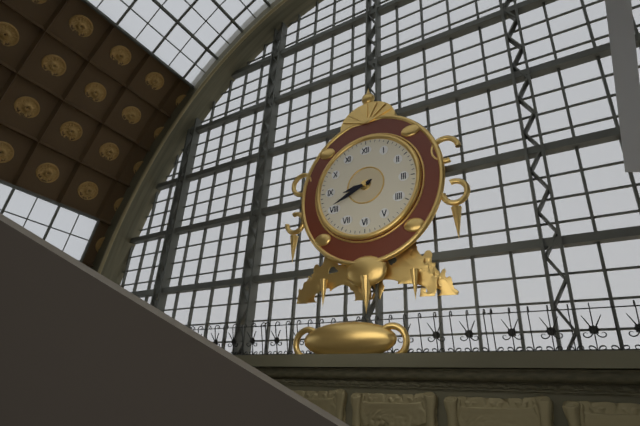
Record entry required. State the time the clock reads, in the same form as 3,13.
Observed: 8,41
